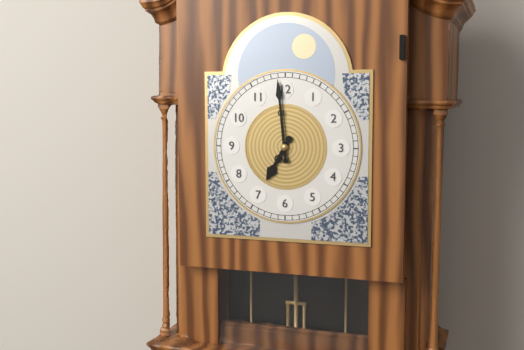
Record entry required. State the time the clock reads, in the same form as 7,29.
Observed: 6,59
